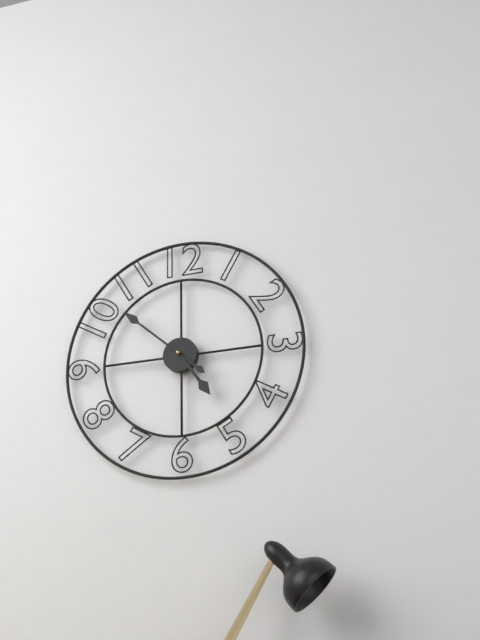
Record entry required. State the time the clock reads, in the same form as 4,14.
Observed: 4,52
